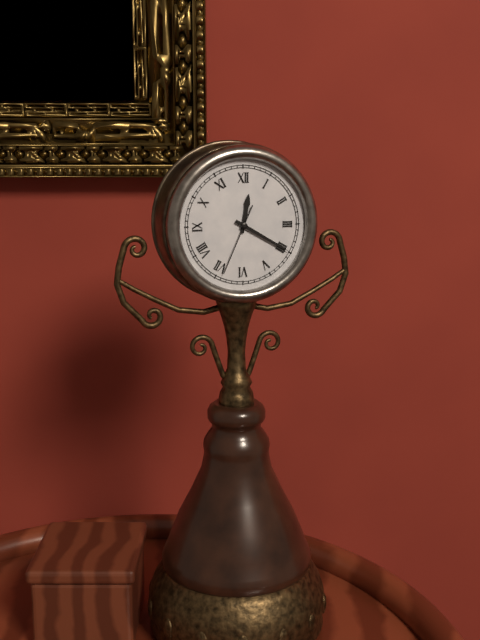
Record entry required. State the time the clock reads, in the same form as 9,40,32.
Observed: 12,20,34
